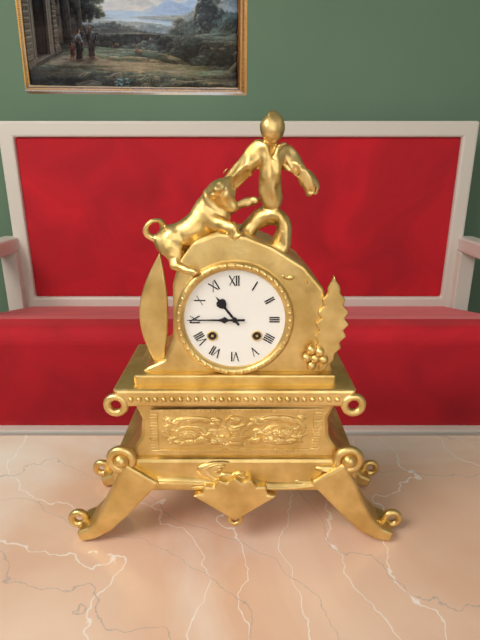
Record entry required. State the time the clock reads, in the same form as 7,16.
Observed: 10,45
